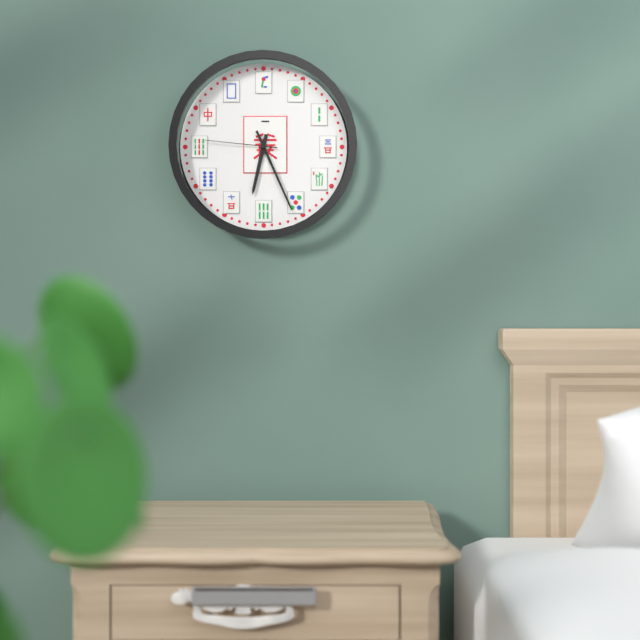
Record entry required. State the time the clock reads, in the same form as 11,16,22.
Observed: 6,26,46
